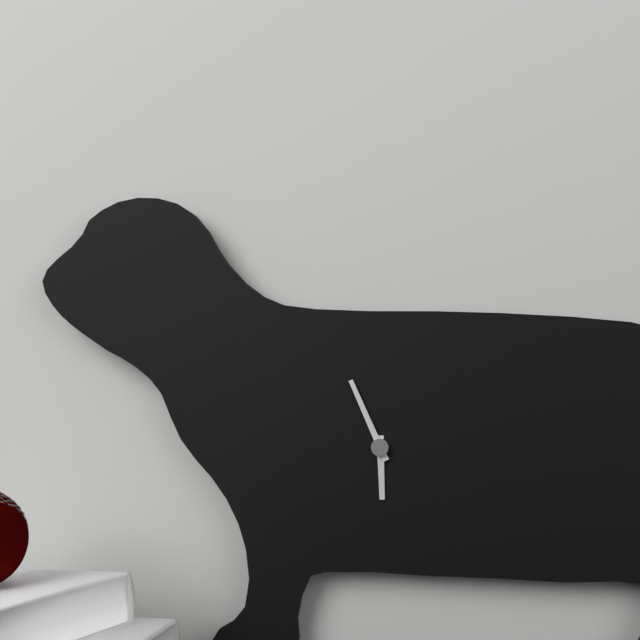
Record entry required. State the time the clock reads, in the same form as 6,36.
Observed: 5,56
